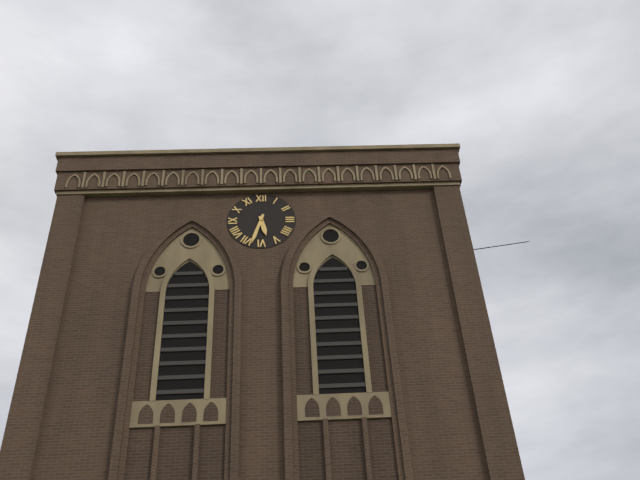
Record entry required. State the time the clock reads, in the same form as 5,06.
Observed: 5,33
